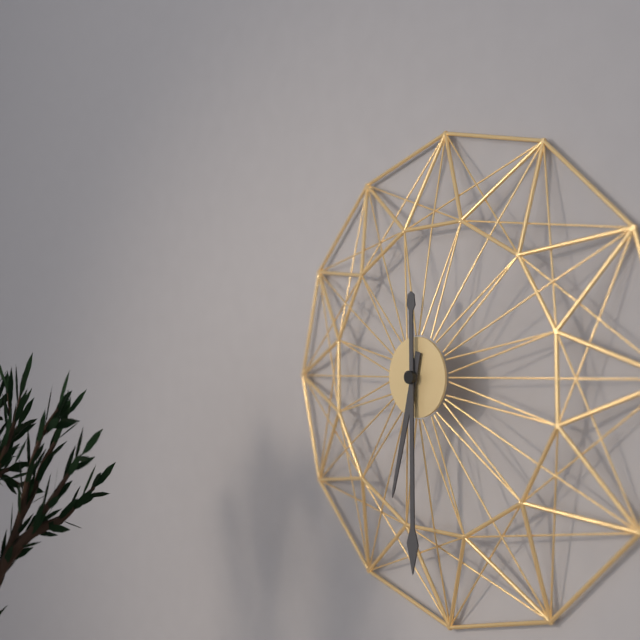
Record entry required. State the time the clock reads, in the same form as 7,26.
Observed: 6,30
